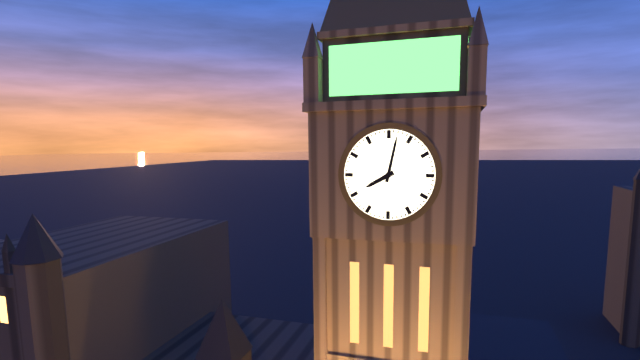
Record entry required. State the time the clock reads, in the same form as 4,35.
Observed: 8,02
